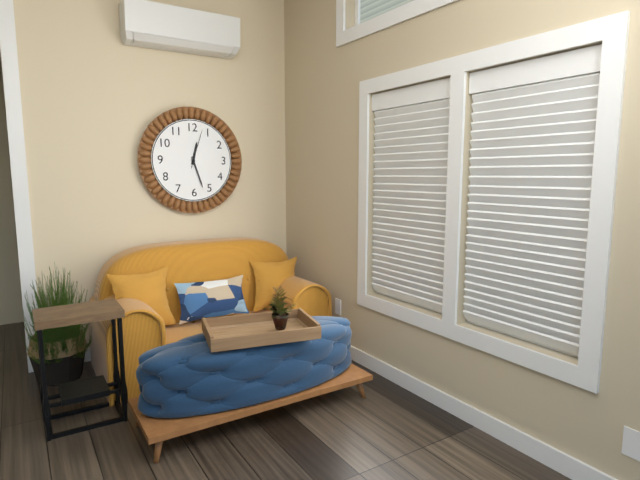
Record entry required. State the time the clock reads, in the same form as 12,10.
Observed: 12,27
